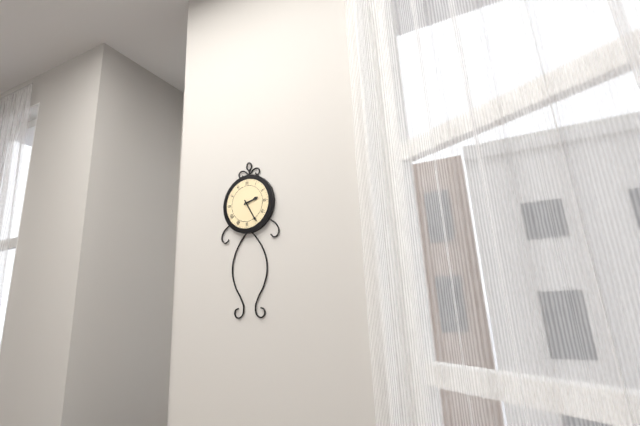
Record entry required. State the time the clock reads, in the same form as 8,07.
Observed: 2,25
